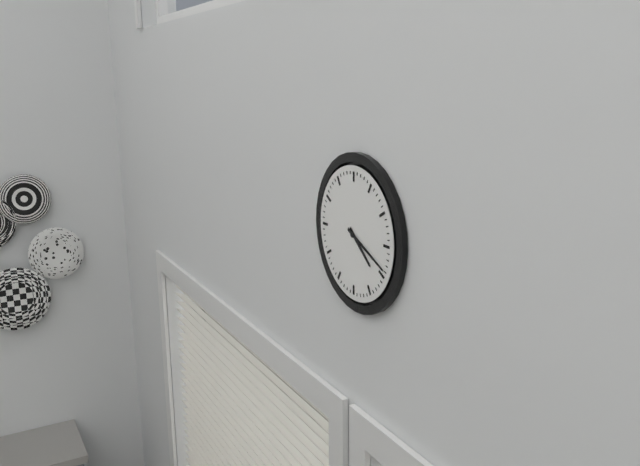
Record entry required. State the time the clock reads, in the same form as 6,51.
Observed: 4,19
